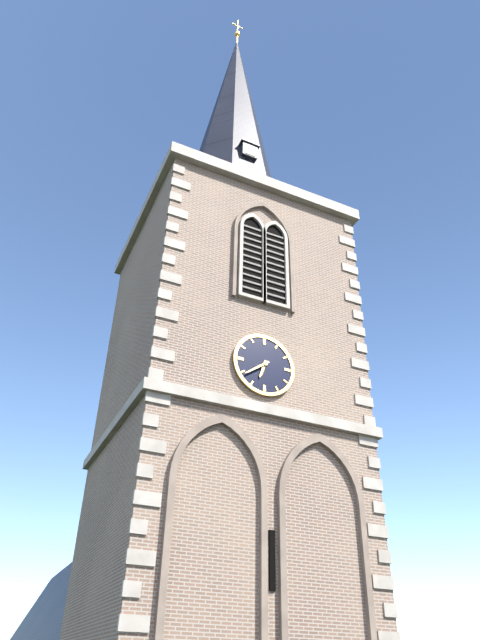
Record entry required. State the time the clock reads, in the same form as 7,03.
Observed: 6,39
